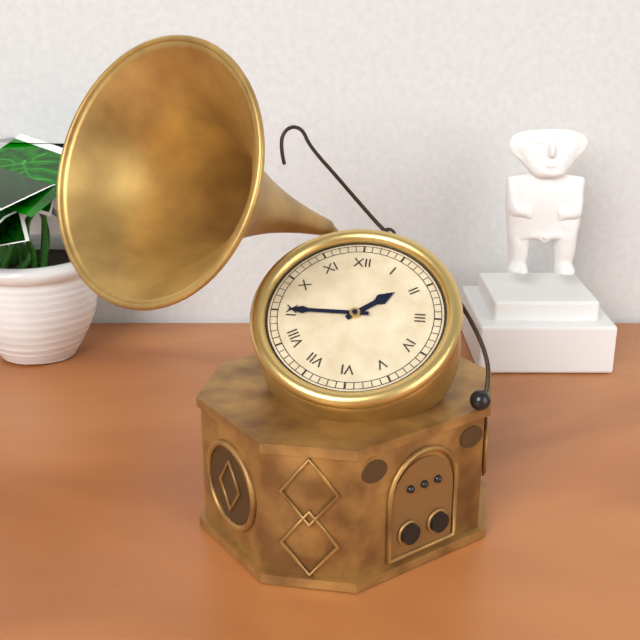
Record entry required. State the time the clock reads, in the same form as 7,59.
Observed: 1,45
